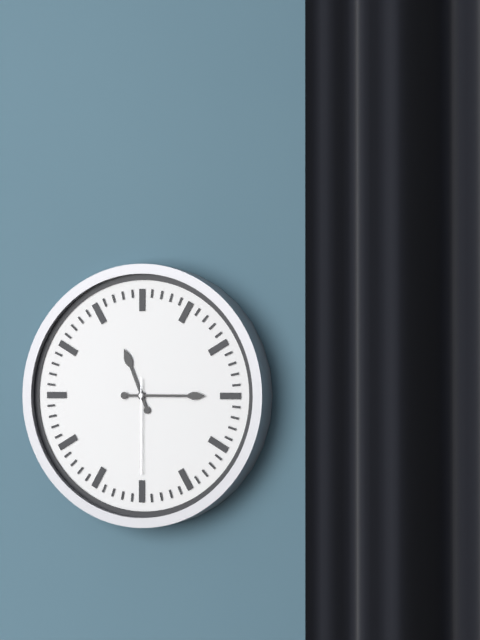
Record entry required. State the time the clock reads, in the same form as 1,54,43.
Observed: 11,15,30
